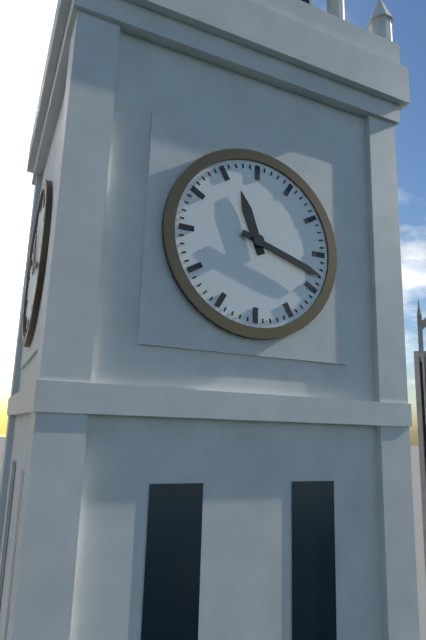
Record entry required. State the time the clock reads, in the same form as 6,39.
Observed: 11,18
